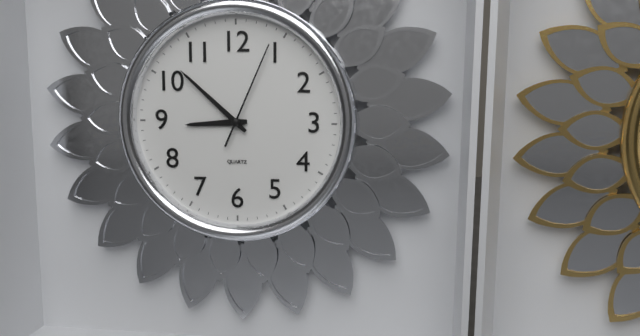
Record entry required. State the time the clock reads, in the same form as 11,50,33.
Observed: 8,52,04
